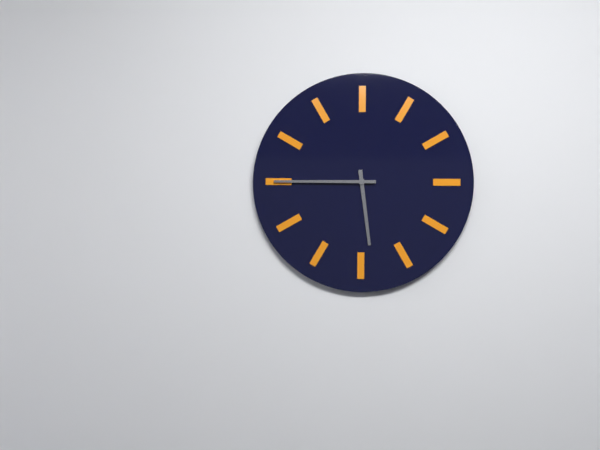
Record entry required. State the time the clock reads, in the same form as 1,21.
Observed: 5,45
